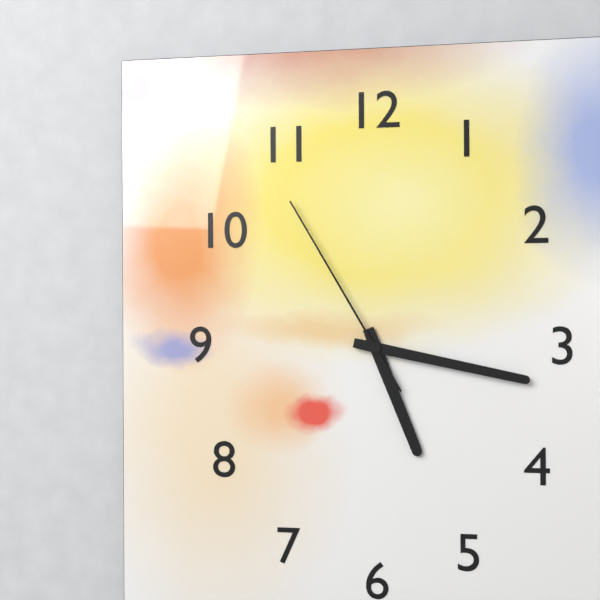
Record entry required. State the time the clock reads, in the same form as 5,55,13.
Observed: 5,17,55
